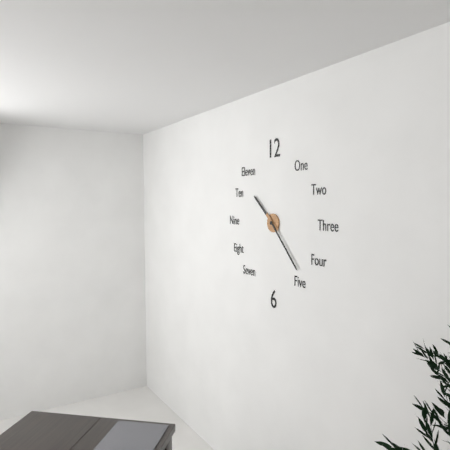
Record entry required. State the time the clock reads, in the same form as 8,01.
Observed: 10,23
